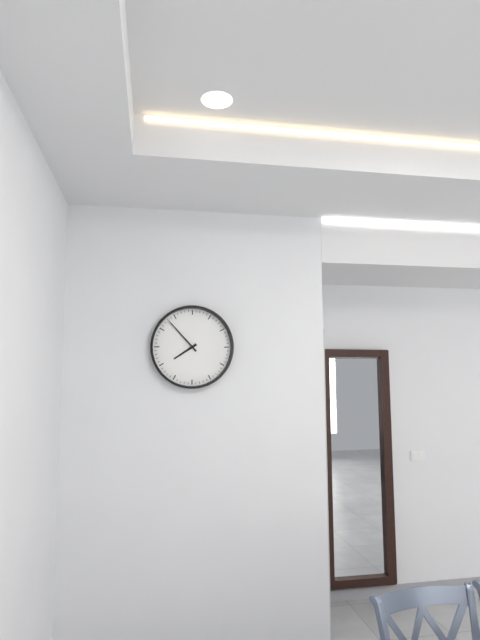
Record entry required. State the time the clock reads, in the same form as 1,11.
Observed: 7,53
